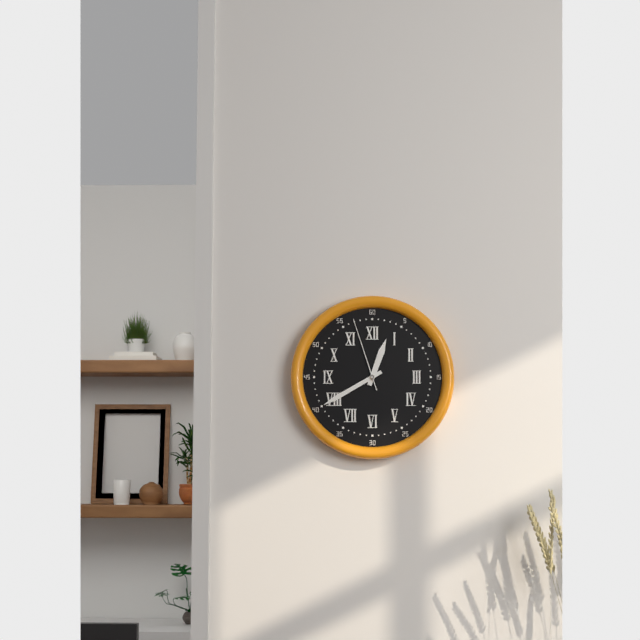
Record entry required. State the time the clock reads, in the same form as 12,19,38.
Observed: 12,40,57
